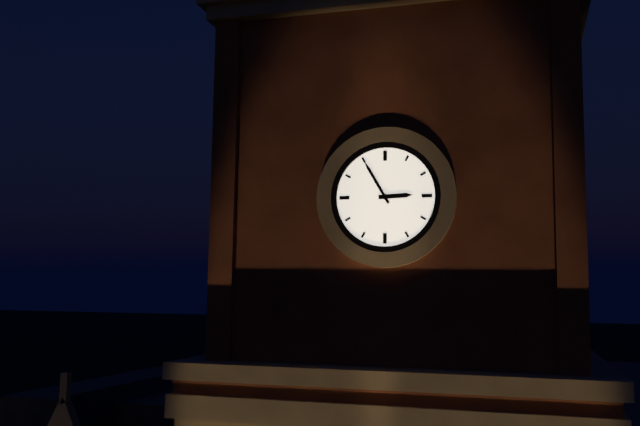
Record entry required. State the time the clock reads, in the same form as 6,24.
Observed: 2,55
